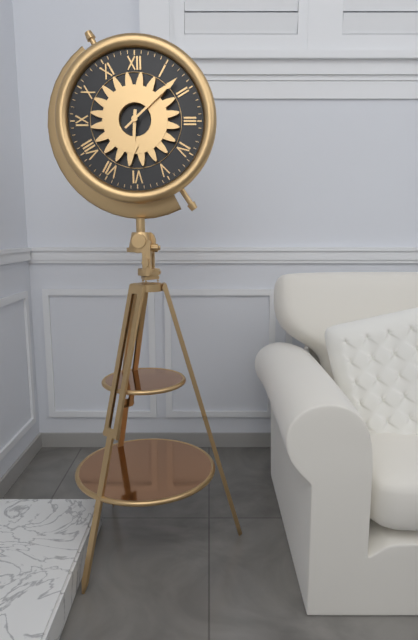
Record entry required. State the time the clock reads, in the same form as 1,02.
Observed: 6,08
